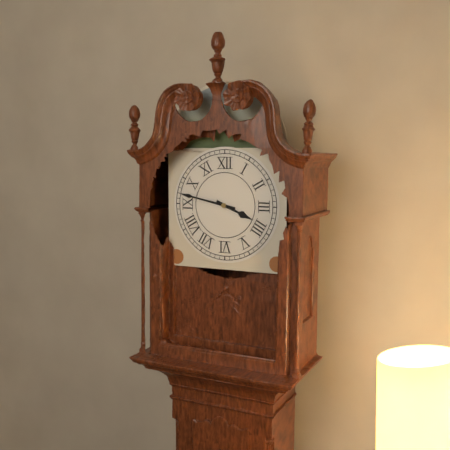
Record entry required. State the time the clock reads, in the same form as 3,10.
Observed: 3,47
